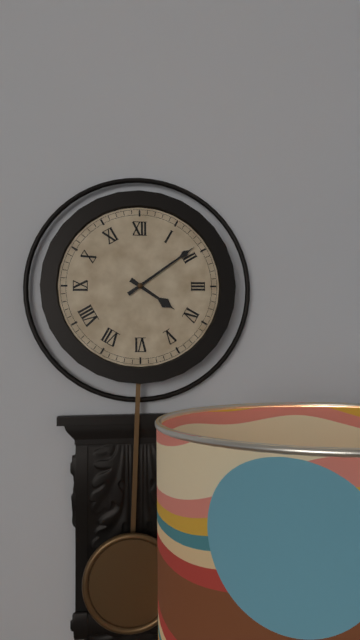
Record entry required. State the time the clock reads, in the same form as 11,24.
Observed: 4,09
